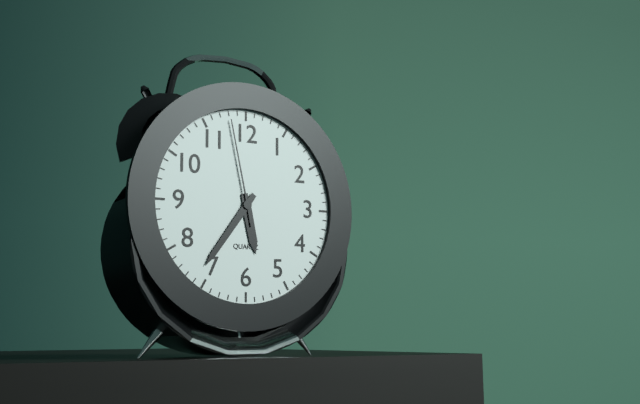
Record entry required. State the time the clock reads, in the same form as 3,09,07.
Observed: 5,36,58
